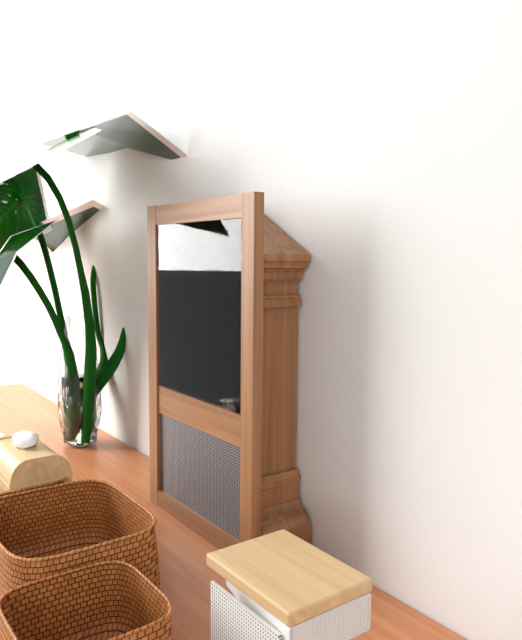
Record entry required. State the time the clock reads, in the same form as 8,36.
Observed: 10,21
